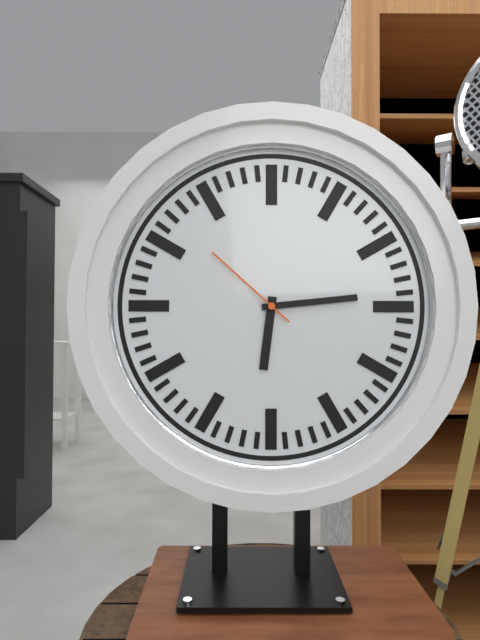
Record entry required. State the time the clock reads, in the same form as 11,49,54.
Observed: 6,14,52
